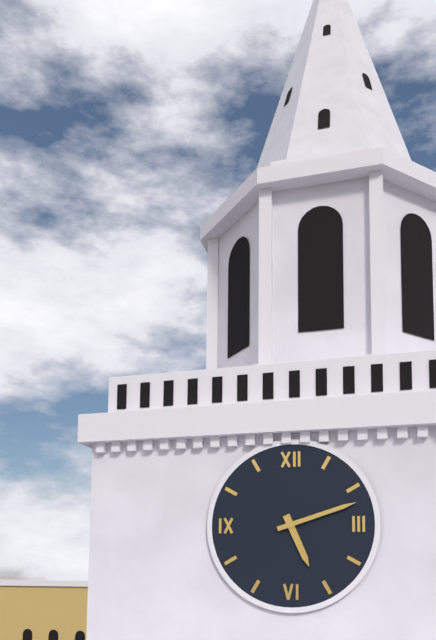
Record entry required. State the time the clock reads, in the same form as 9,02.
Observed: 5,12
